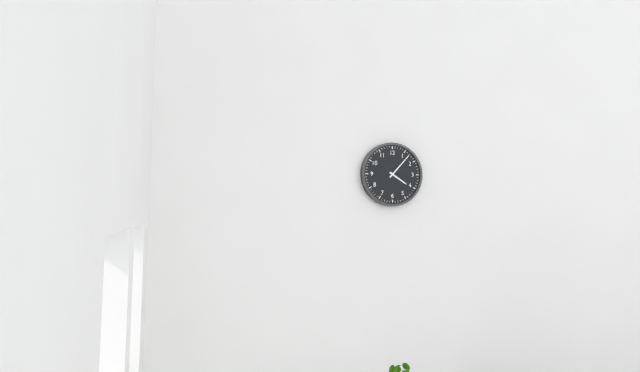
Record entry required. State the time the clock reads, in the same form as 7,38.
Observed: 4,07
